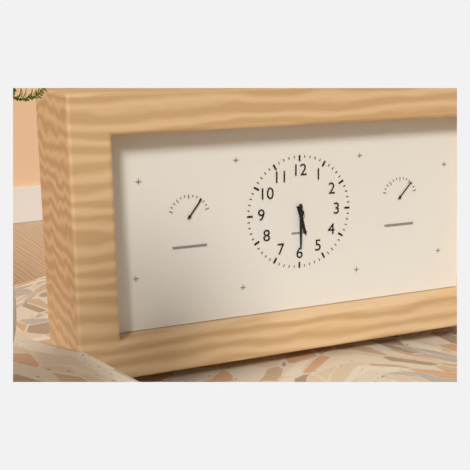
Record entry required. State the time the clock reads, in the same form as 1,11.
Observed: 5,30
